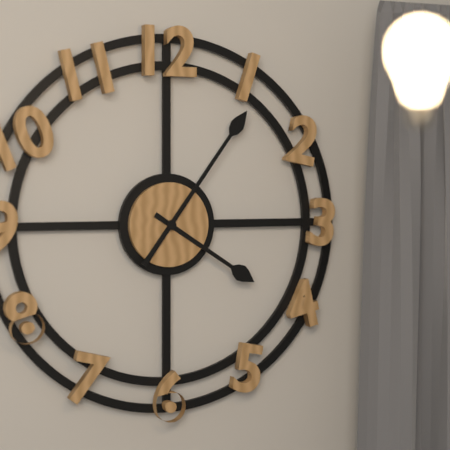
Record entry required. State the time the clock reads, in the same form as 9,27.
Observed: 4,06
